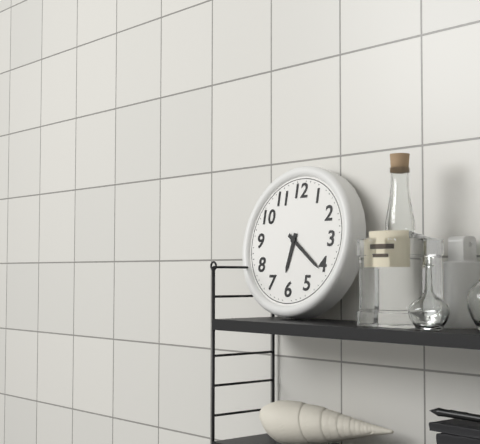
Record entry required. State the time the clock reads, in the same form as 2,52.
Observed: 6,21
